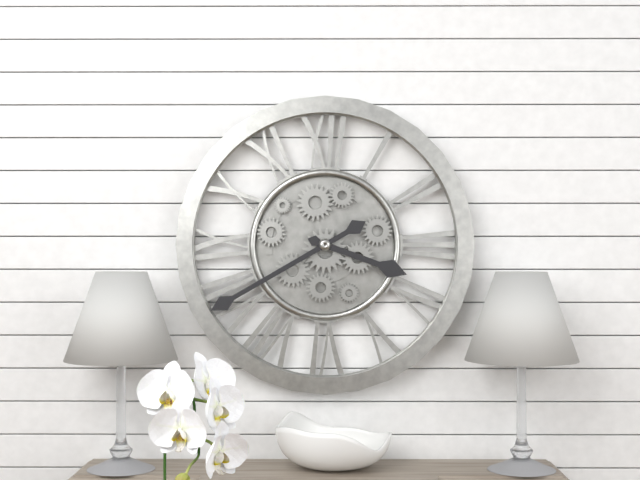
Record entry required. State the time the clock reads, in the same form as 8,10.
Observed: 3,40
